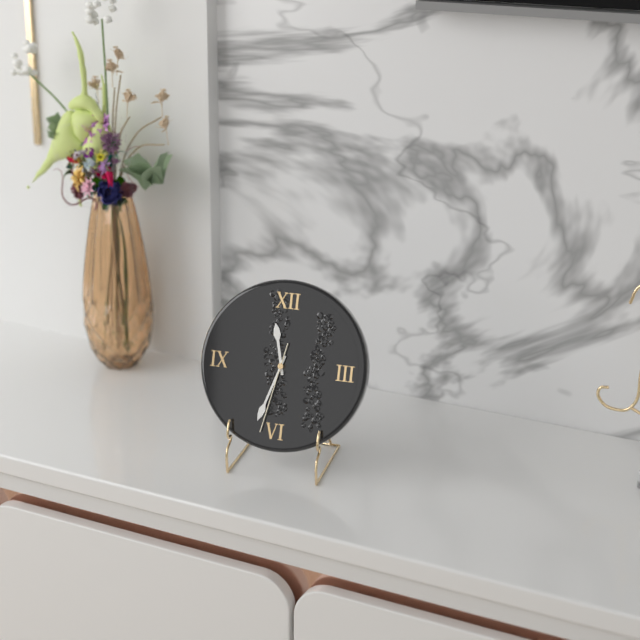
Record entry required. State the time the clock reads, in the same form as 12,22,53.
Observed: 11,33,32
